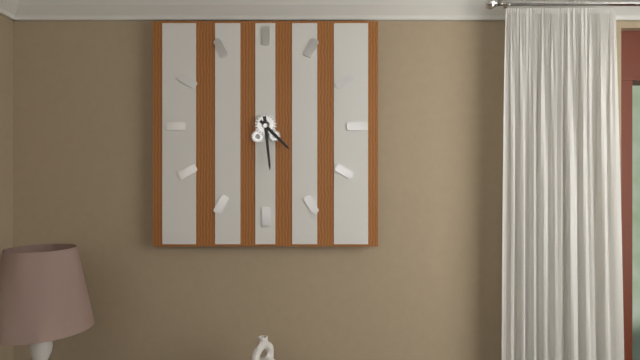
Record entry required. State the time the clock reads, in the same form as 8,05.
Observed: 4,29
